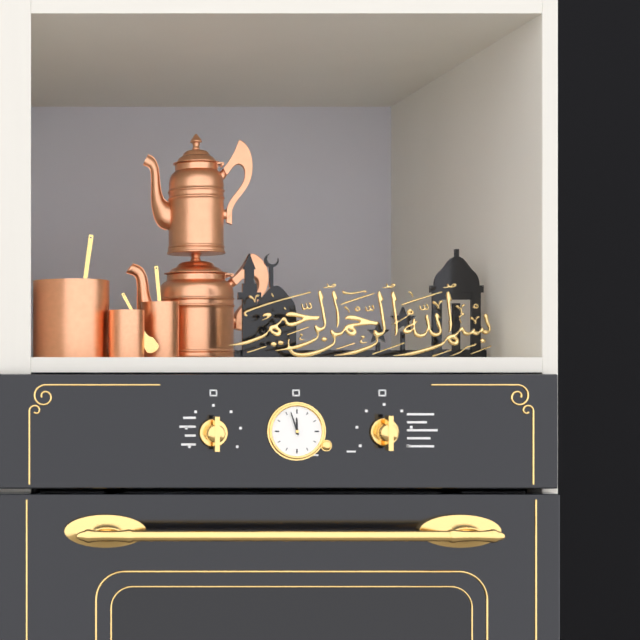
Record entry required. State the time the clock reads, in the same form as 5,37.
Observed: 11,57
